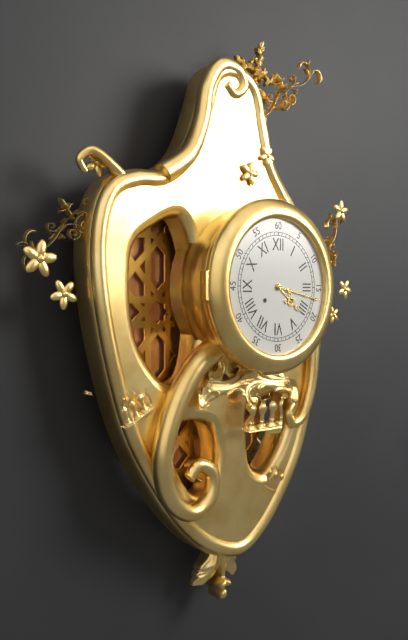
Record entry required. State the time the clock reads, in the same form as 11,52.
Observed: 4,17
